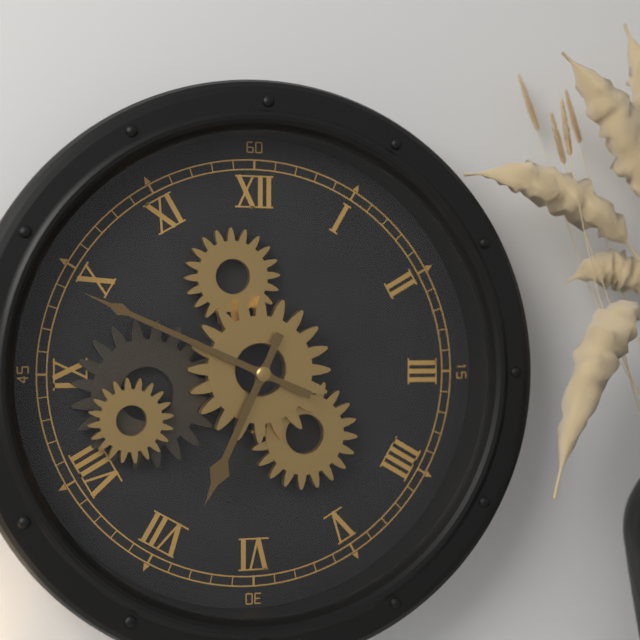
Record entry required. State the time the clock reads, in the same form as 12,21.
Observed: 6,49
